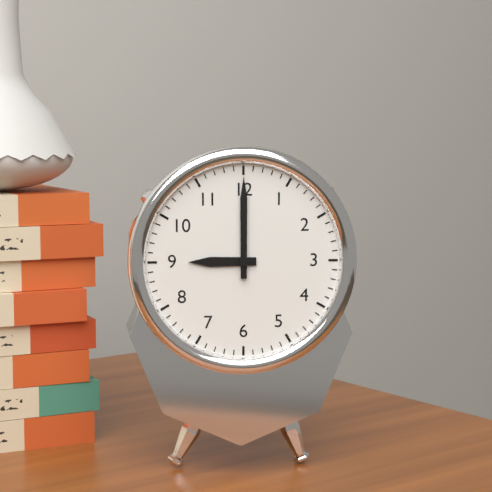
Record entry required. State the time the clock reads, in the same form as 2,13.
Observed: 9,00
